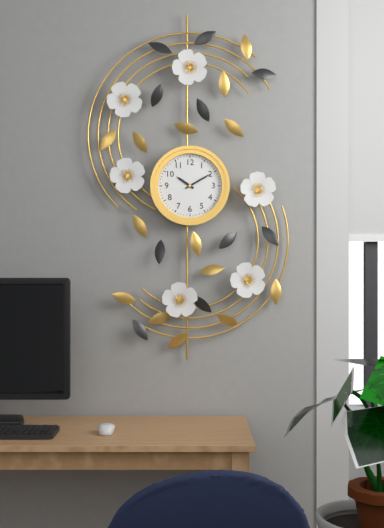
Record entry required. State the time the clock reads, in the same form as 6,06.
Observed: 10,10
